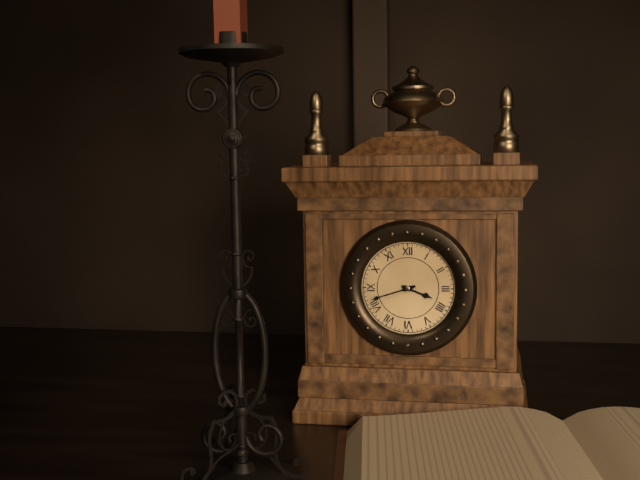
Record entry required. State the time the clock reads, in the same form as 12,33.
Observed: 3,42
